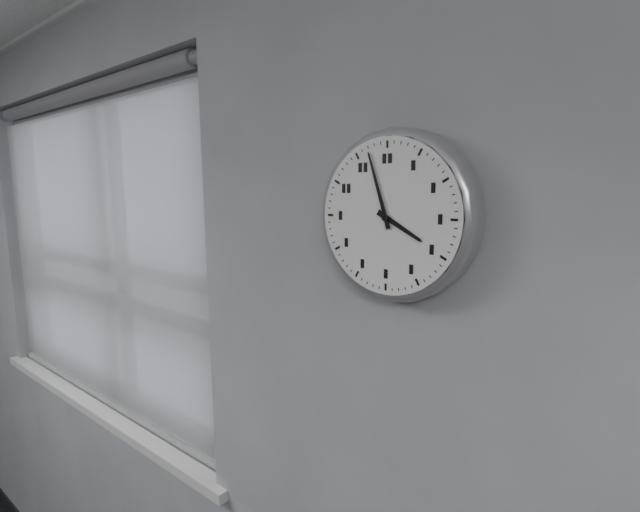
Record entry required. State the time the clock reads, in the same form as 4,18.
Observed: 3,57
